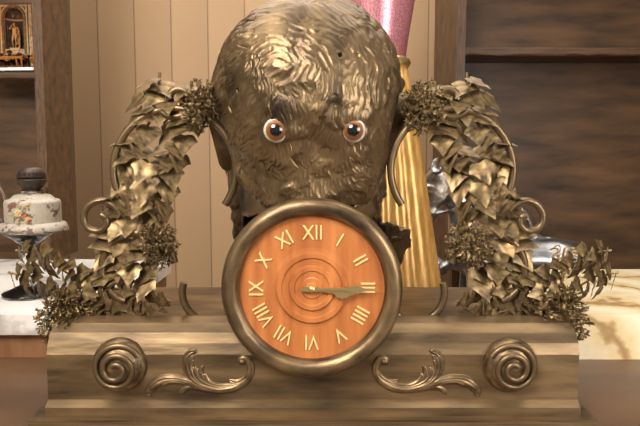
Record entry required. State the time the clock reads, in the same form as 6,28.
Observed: 3,15
